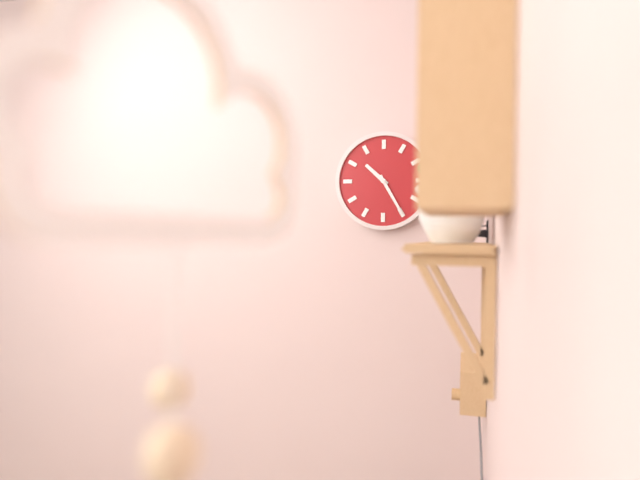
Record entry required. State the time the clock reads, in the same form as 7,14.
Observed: 10,25
